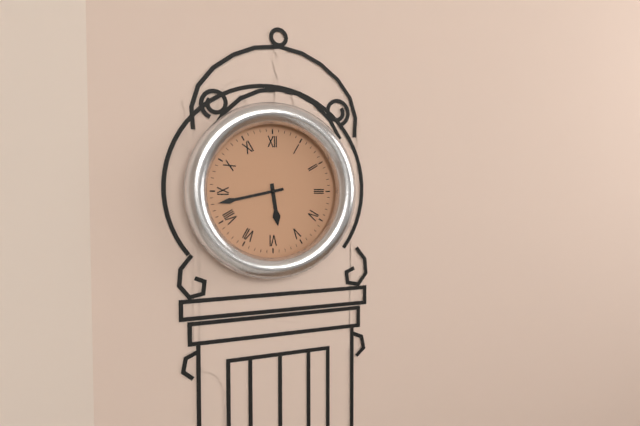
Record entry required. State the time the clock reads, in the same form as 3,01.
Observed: 5,43
